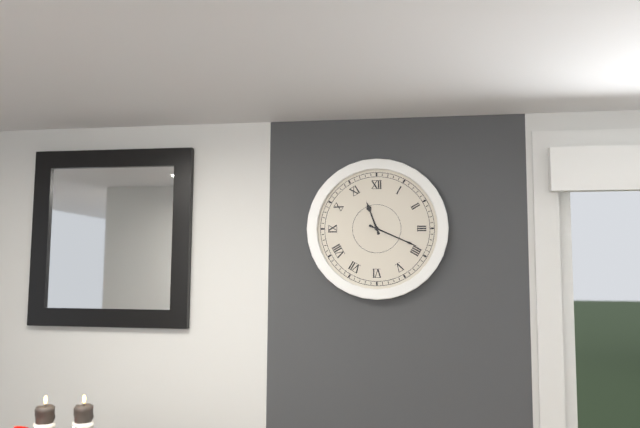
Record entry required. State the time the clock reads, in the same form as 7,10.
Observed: 11,19
